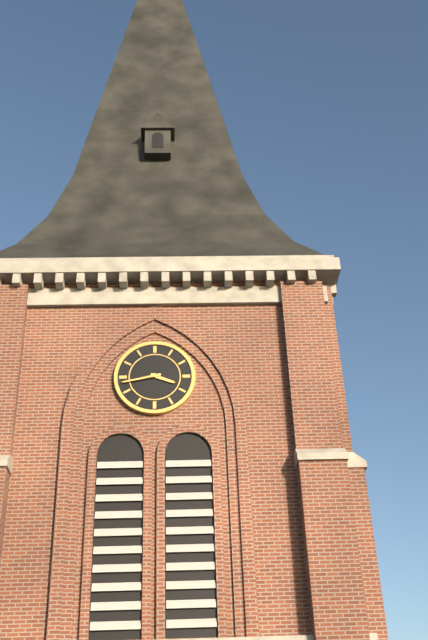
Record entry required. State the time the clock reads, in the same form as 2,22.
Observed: 3,43
